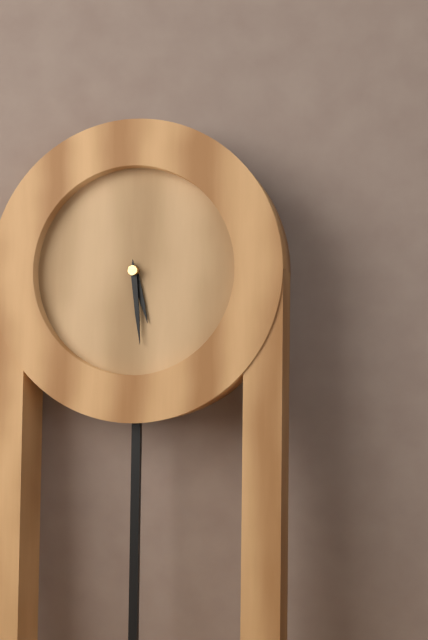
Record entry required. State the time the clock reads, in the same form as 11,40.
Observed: 5,29
